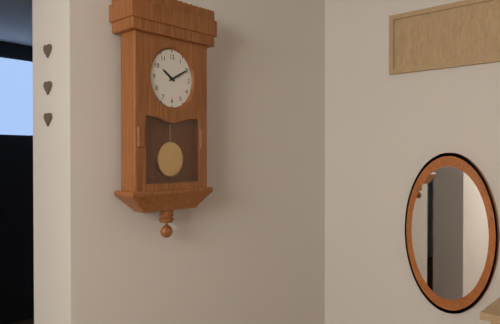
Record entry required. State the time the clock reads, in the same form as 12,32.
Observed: 10,10
